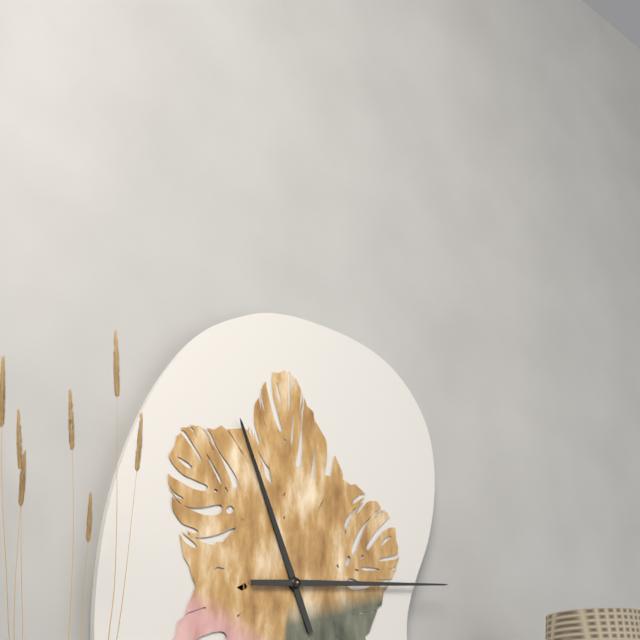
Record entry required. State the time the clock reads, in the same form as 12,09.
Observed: 11,14
